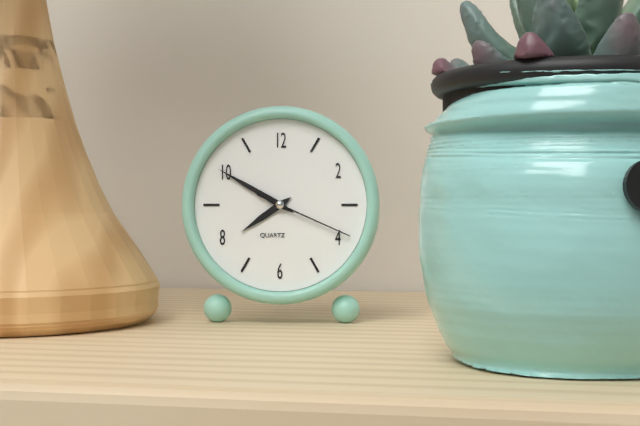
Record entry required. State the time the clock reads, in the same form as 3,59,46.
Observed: 7,50,19
